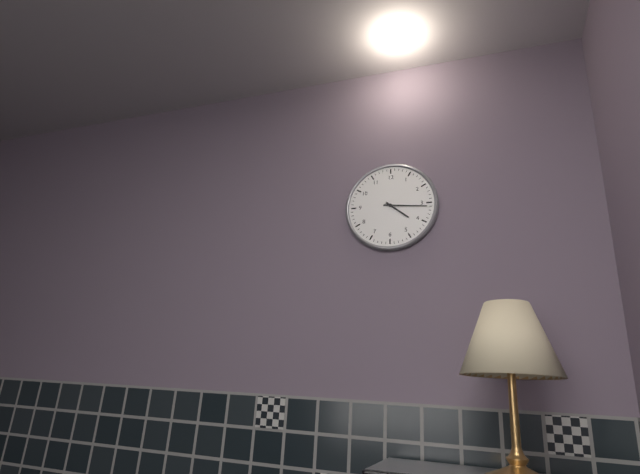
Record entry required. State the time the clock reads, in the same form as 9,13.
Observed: 4,16
